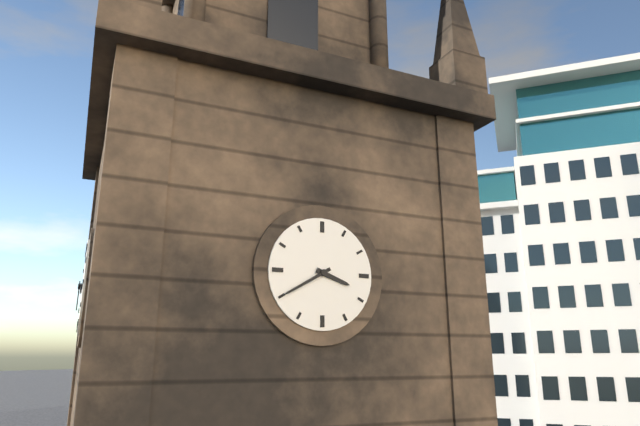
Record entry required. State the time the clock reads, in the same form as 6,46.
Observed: 3,40
